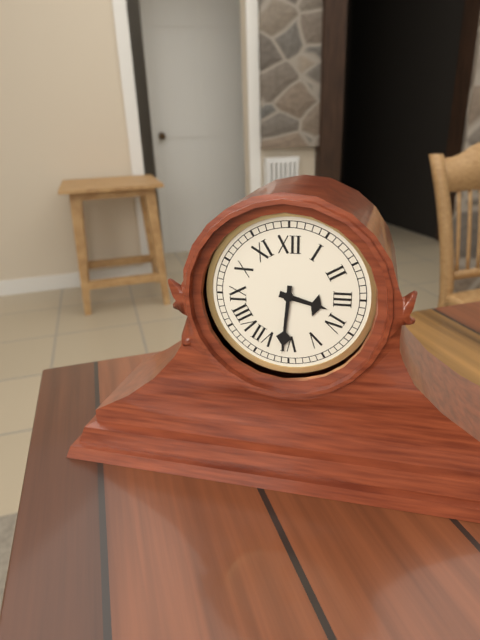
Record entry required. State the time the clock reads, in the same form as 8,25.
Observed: 3,31
